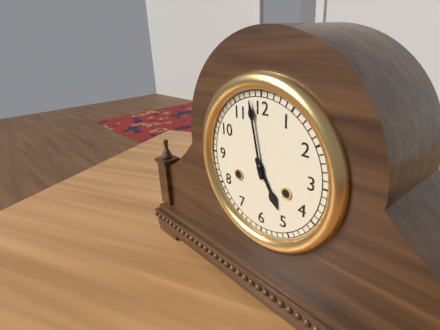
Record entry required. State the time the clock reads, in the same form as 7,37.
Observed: 4,58
